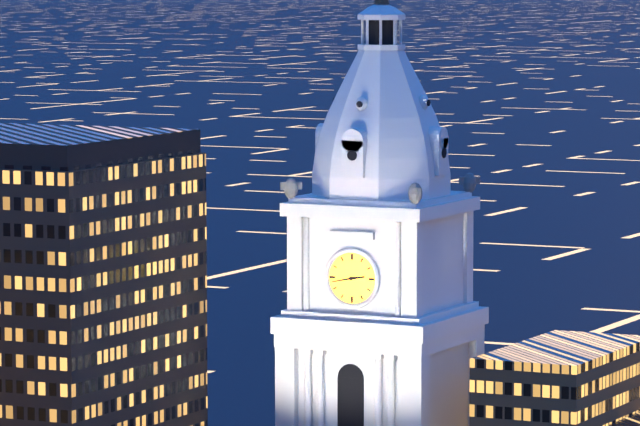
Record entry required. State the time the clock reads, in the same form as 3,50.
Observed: 2,43
